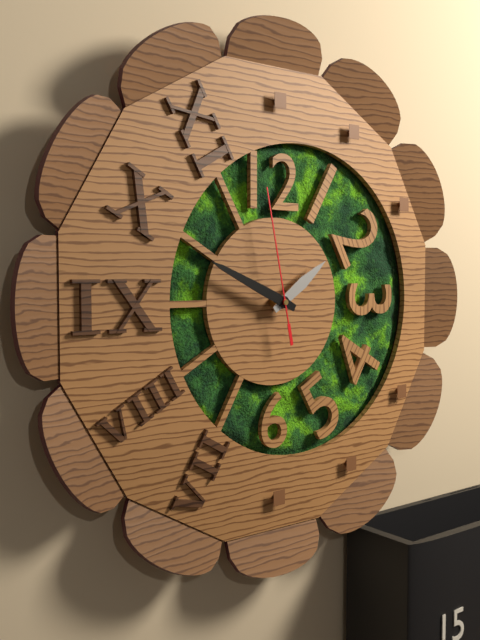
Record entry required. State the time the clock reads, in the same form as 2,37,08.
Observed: 1,49,58
